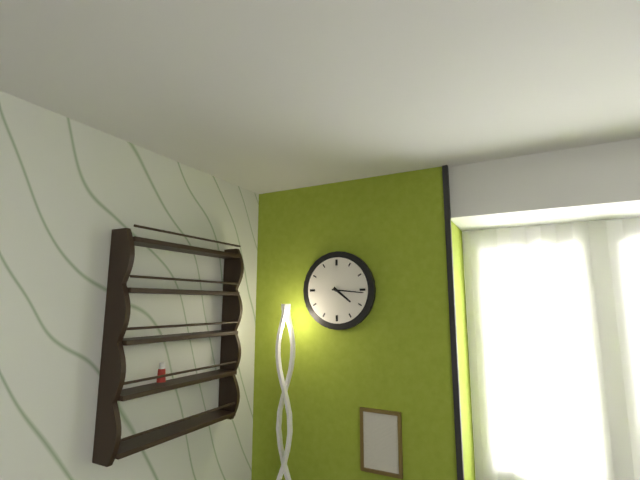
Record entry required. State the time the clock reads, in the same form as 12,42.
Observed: 4,16
